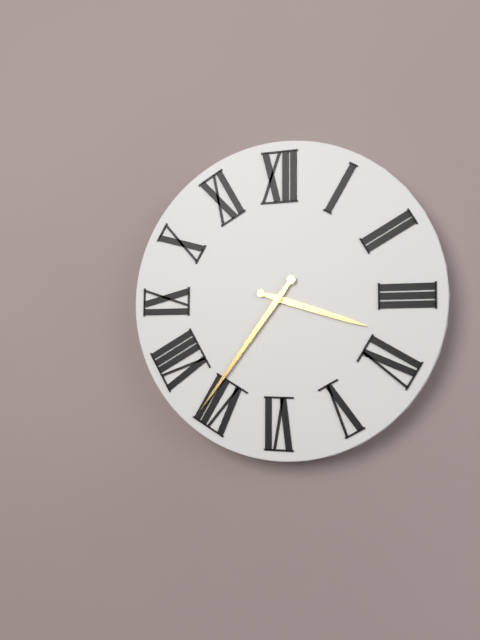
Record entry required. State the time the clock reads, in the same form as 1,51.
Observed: 3,36
